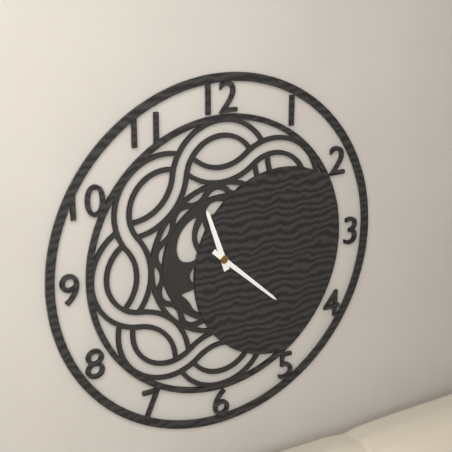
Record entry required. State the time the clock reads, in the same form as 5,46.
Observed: 11,22
